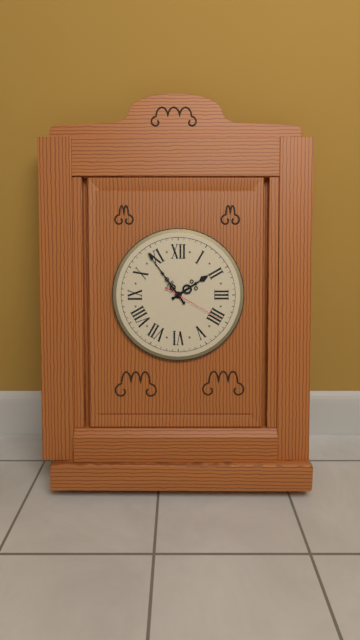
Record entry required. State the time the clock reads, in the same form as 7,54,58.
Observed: 1,54,20
